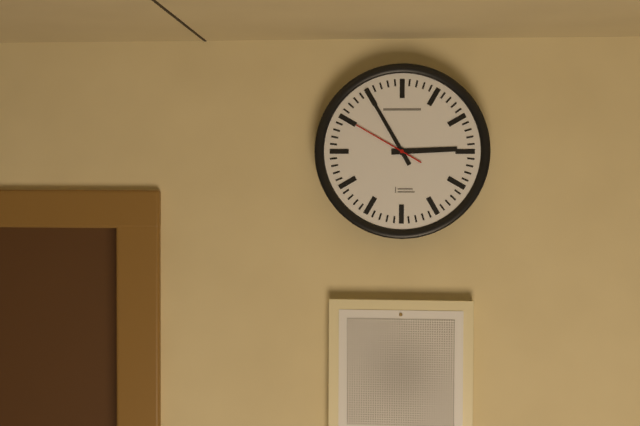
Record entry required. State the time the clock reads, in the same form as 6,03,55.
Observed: 2,55,50
